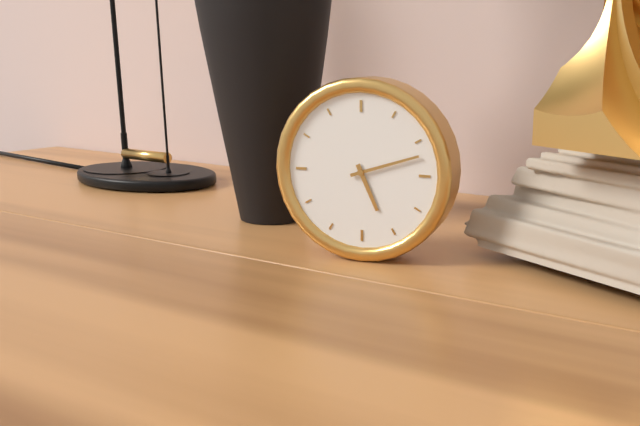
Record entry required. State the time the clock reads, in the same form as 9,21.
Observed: 5,12
